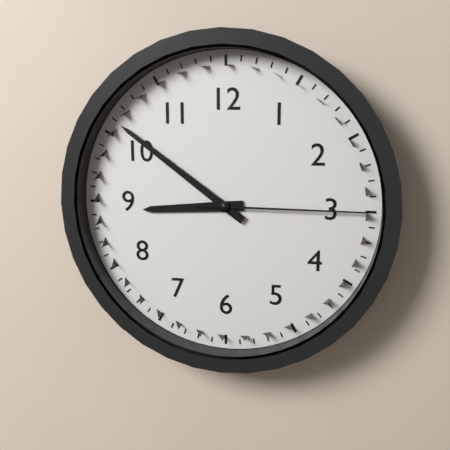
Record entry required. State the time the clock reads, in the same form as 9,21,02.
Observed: 8,51,15
